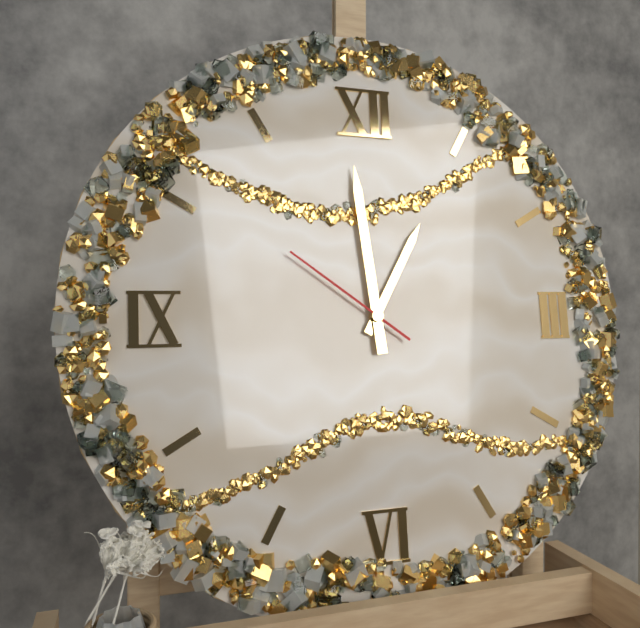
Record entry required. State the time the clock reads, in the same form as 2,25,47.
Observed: 12,59,51
